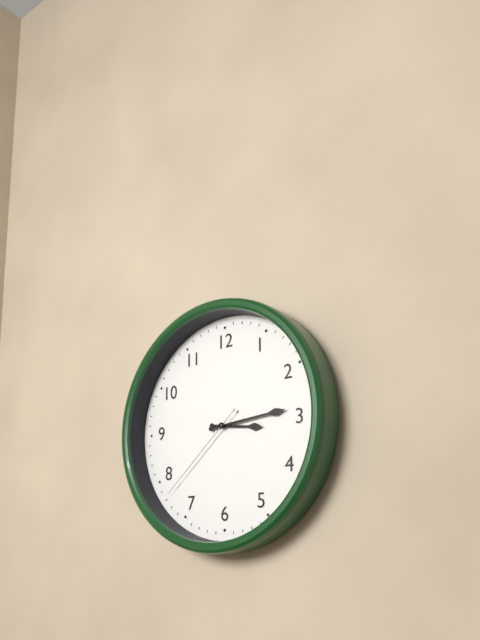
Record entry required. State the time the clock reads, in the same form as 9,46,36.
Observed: 3,14,38
